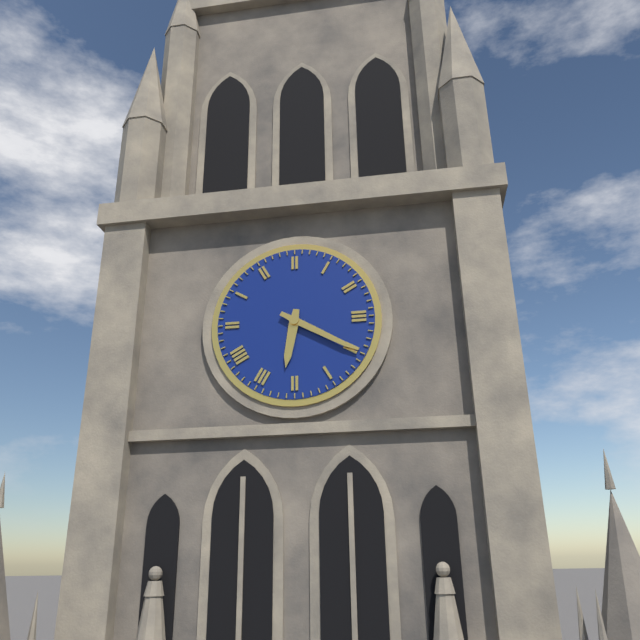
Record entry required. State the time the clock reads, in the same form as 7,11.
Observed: 6,20
